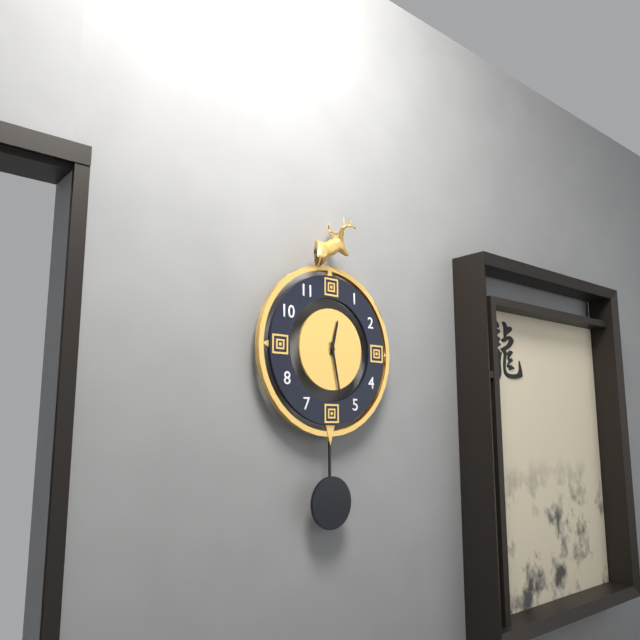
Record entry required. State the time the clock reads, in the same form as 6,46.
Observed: 12,28
